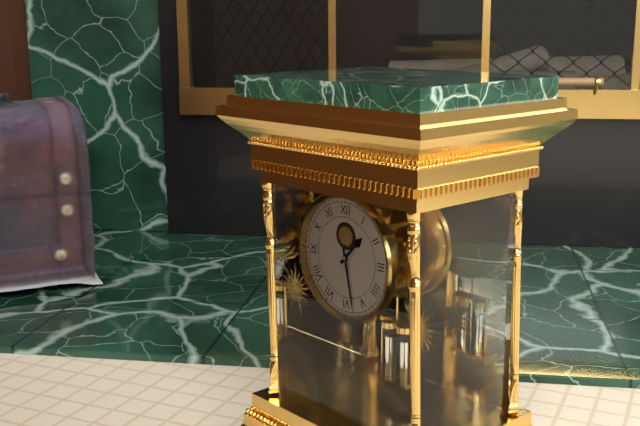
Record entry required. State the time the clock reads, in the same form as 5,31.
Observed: 1,28
